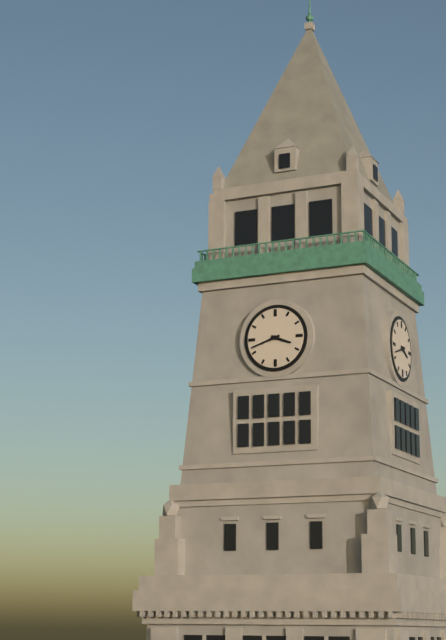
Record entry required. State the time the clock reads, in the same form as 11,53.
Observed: 3,42
